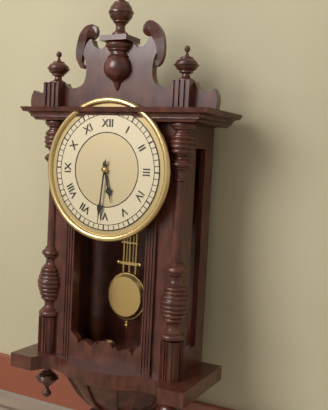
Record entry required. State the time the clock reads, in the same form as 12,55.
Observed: 5,31
